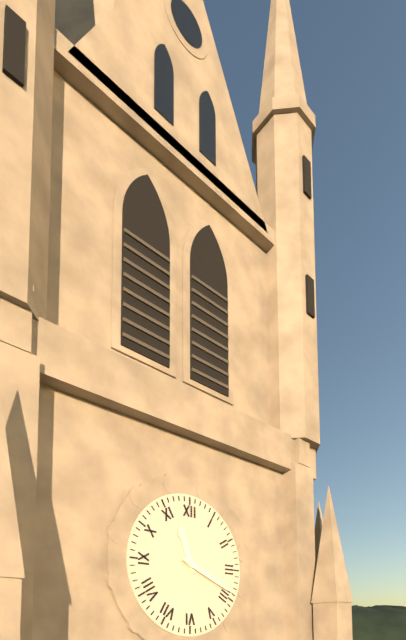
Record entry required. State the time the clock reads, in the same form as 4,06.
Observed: 11,19
